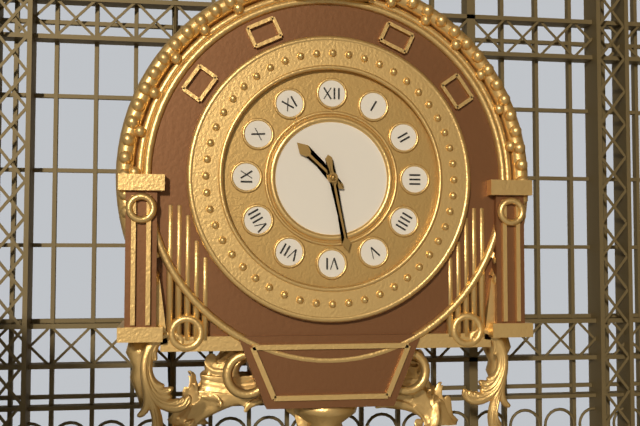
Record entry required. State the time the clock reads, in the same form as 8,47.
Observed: 10,28
